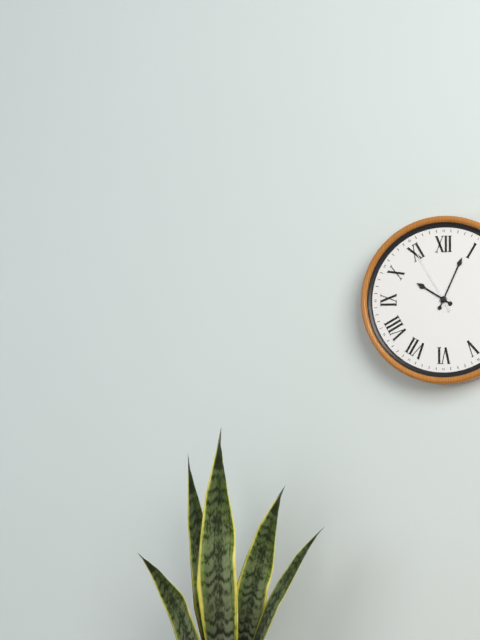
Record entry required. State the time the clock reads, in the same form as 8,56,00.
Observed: 10,04,55
